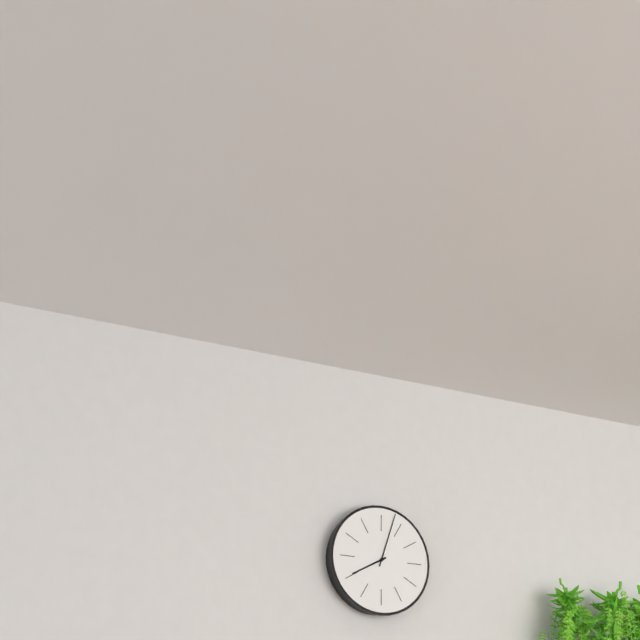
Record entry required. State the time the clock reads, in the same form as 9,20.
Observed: 8,03
